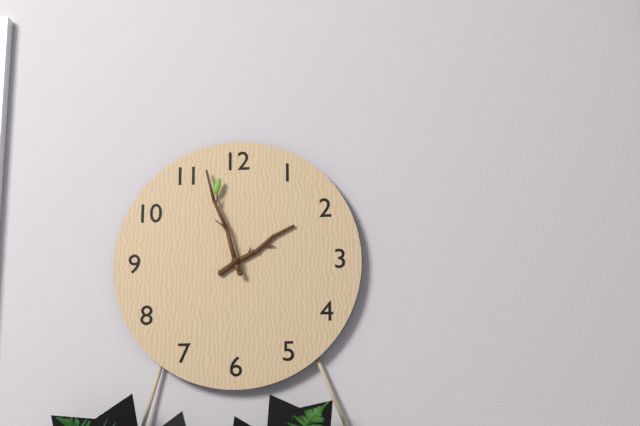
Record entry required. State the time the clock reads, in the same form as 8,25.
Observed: 1,57
